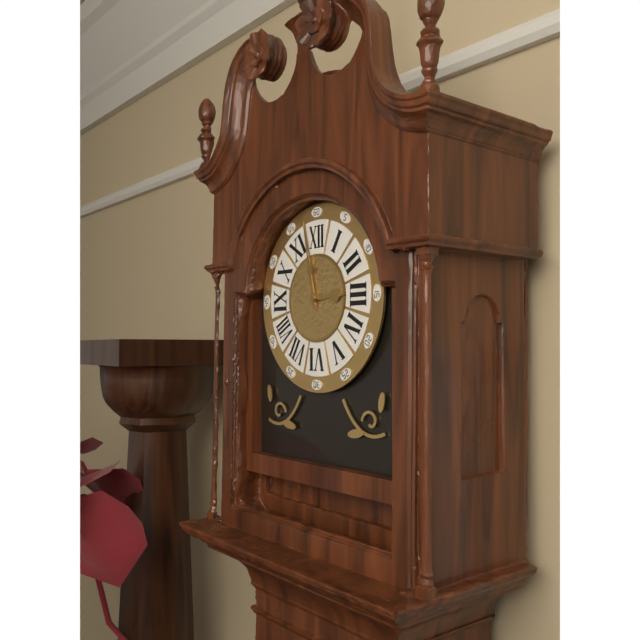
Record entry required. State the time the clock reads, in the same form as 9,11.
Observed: 2,58
